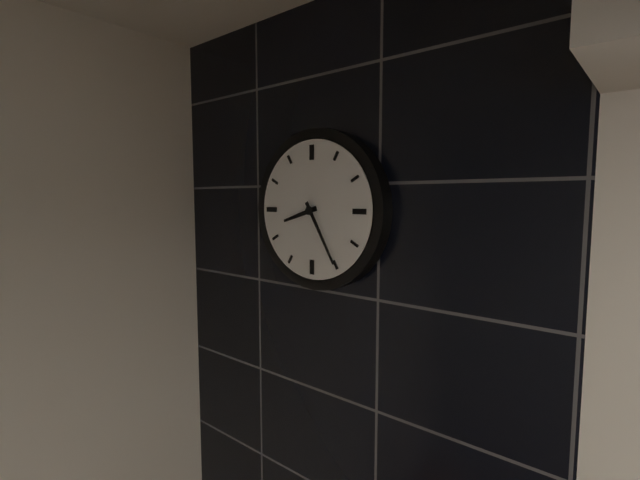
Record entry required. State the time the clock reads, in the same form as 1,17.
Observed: 8,25
